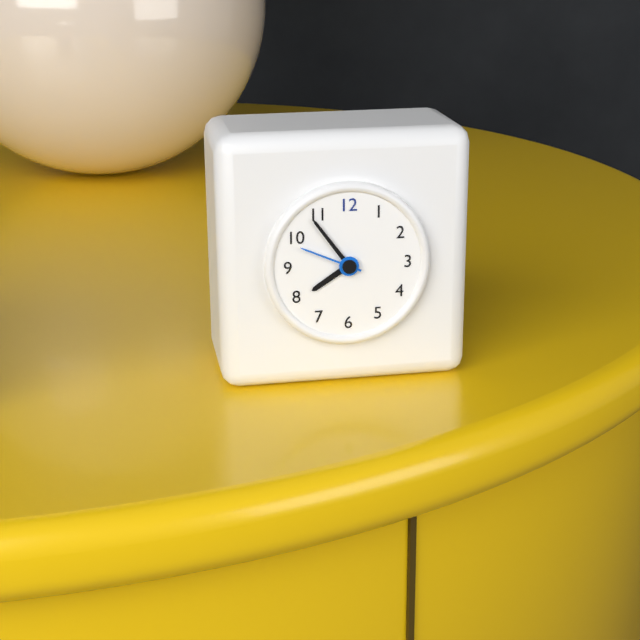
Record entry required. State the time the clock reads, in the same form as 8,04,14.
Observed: 7,54,49
